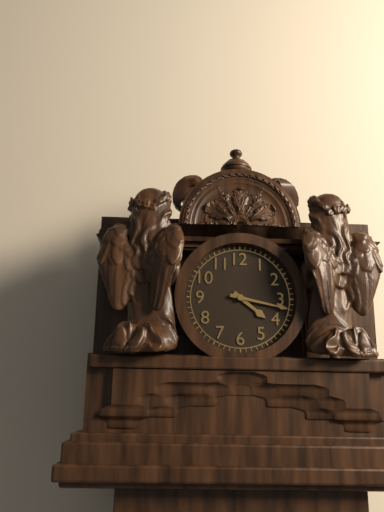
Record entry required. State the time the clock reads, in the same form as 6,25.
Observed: 4,17
